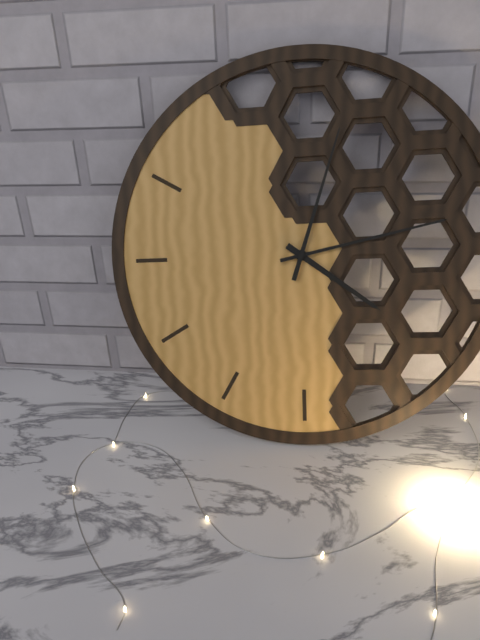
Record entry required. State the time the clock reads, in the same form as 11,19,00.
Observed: 4,13,03
